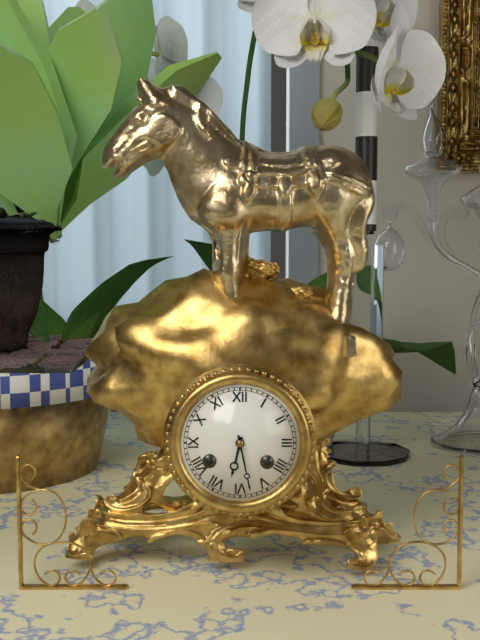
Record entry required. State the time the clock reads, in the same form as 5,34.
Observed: 6,28
